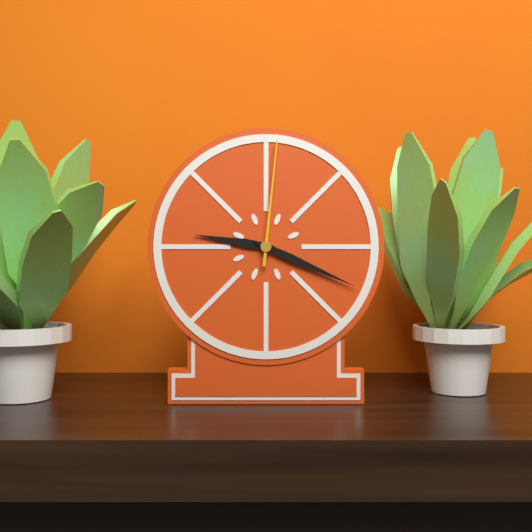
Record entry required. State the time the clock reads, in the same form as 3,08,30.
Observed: 9,19,01
